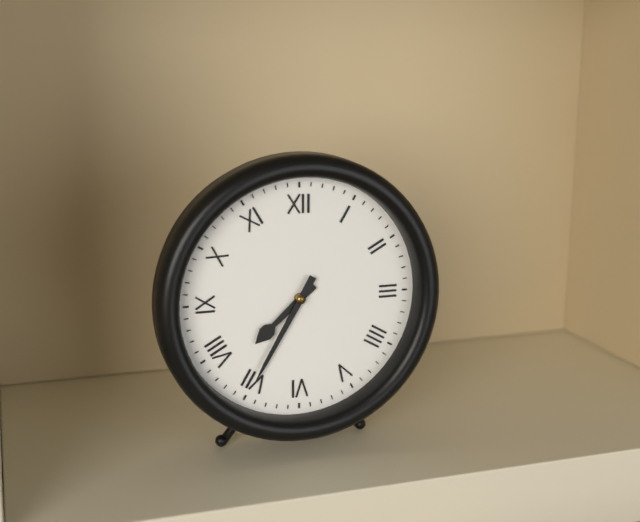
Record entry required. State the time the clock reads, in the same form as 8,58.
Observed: 7,35
